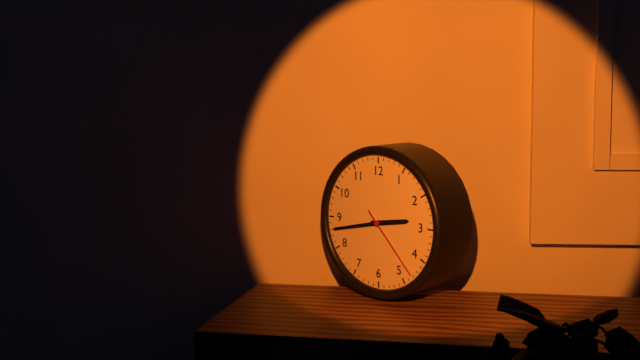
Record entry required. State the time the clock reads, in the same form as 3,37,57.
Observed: 2,43,23
